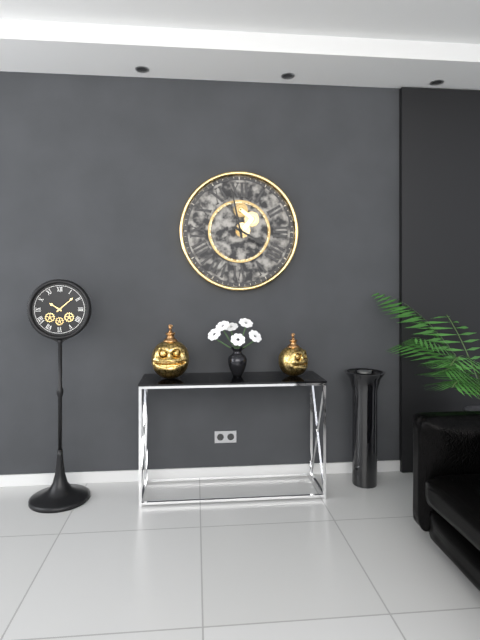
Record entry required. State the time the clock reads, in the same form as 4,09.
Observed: 3,58
